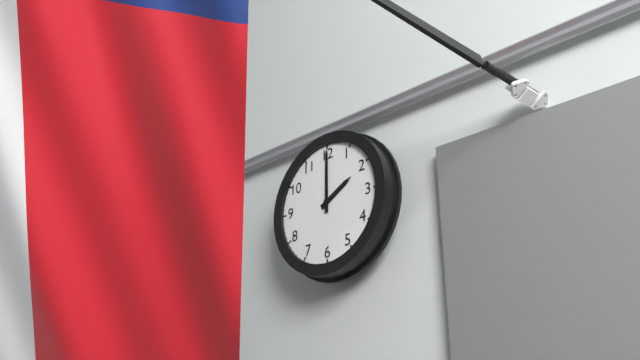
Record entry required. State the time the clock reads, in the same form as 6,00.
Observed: 2,00
